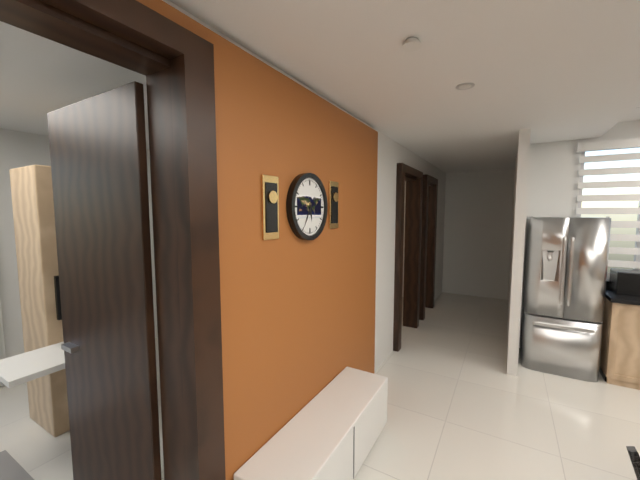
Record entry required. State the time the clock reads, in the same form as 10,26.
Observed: 5,35
